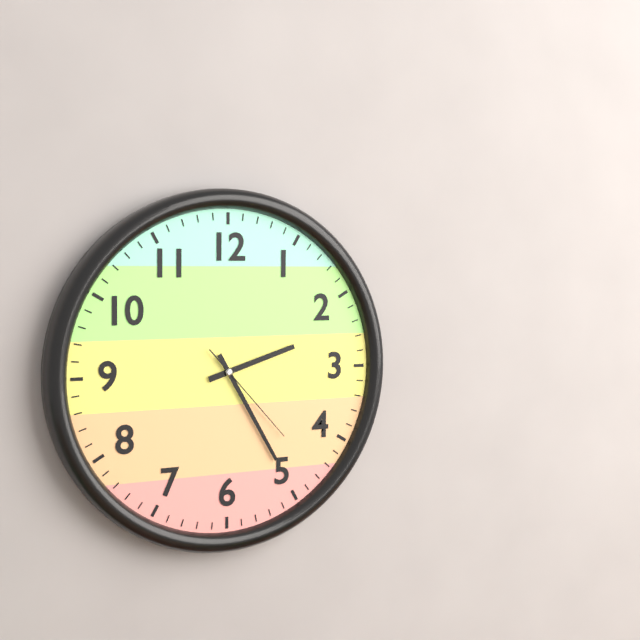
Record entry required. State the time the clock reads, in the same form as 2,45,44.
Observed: 2,25,23
